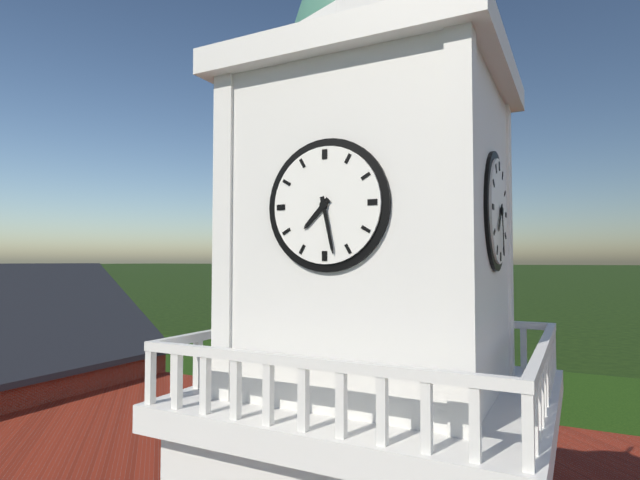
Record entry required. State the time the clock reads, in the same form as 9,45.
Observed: 7,28
